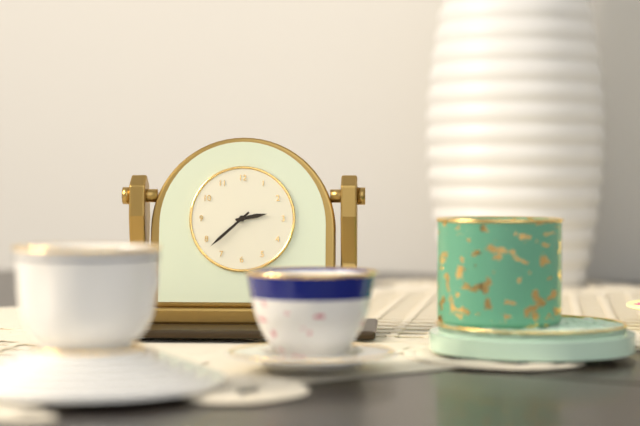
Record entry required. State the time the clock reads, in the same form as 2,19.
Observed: 2,38
